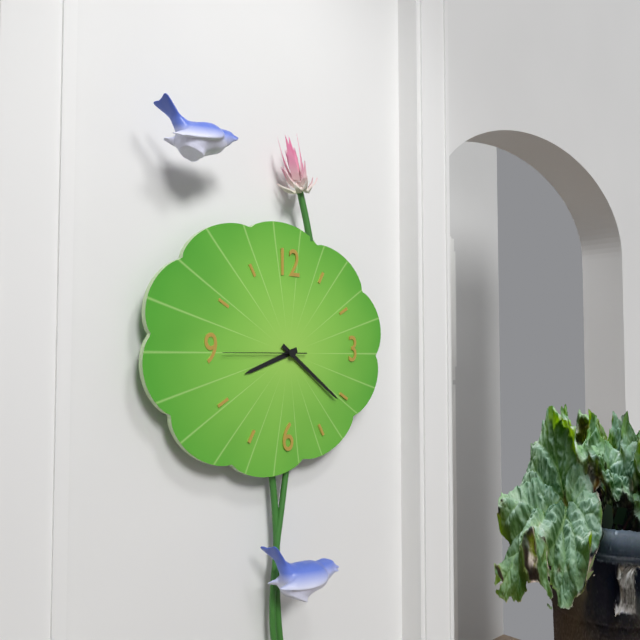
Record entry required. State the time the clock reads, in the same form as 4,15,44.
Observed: 8,21,45
